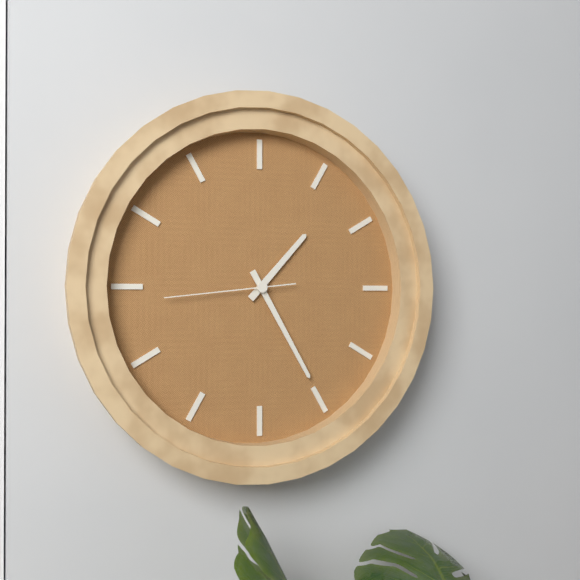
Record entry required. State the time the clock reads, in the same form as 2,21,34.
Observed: 1,25,44
